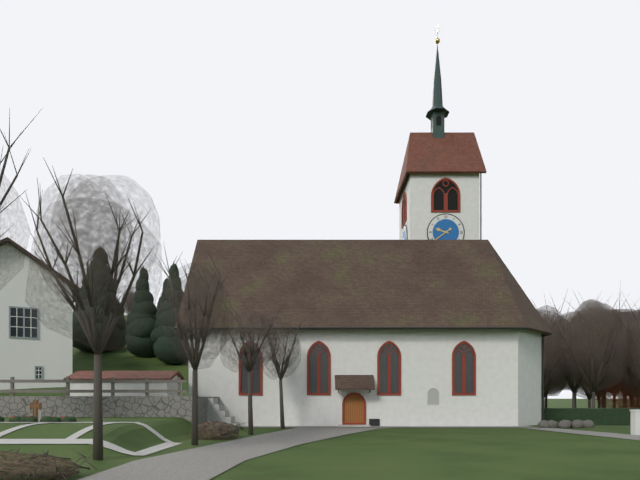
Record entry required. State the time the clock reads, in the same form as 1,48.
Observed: 9,39
